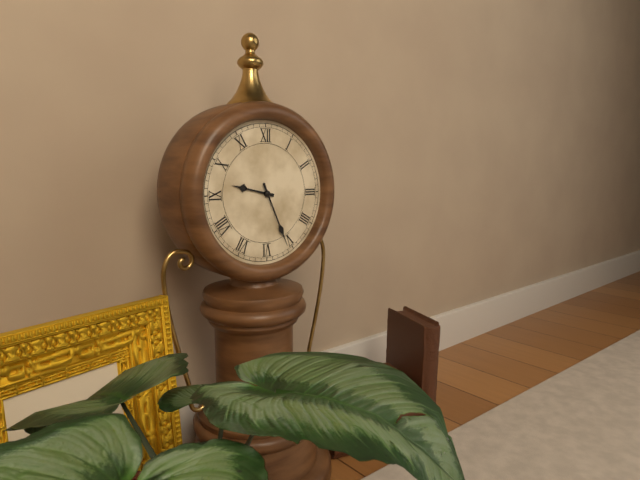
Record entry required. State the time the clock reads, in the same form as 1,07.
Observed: 9,26
